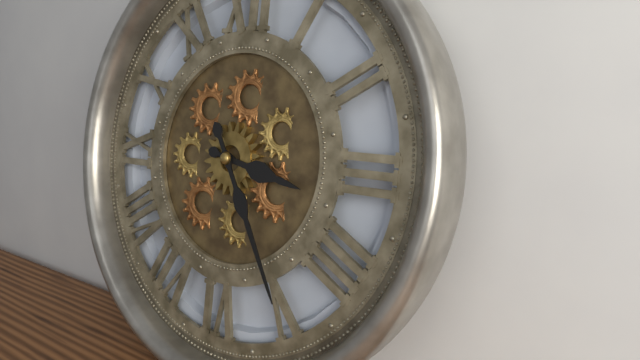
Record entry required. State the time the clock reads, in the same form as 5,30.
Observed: 3,25
